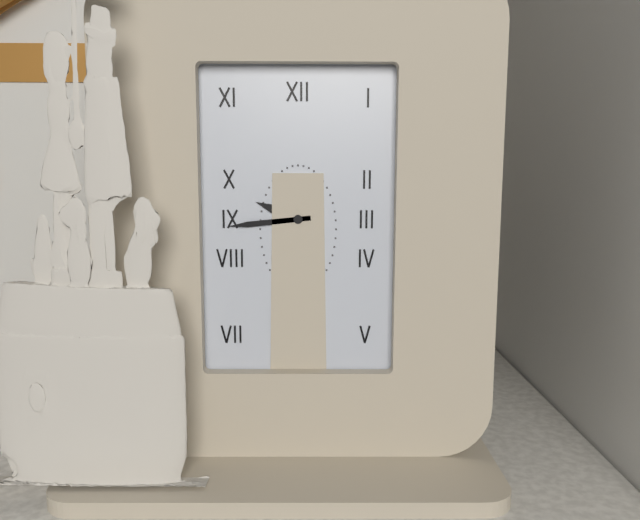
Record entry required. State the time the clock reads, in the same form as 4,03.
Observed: 9,44
